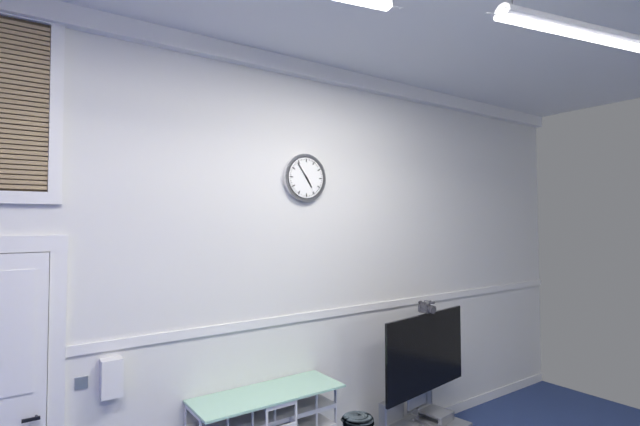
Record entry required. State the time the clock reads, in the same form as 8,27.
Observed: 4,54
